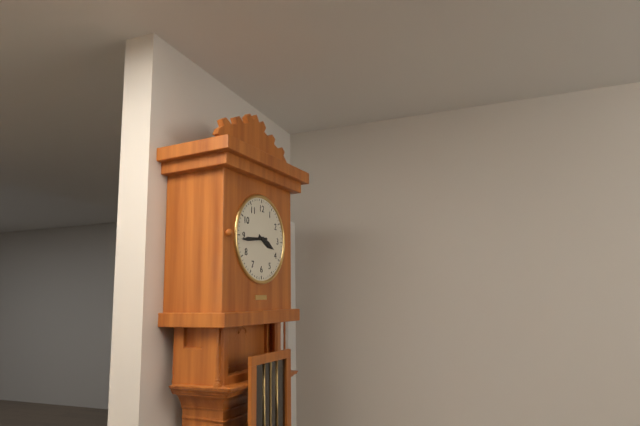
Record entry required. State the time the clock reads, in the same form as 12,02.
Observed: 3,44
